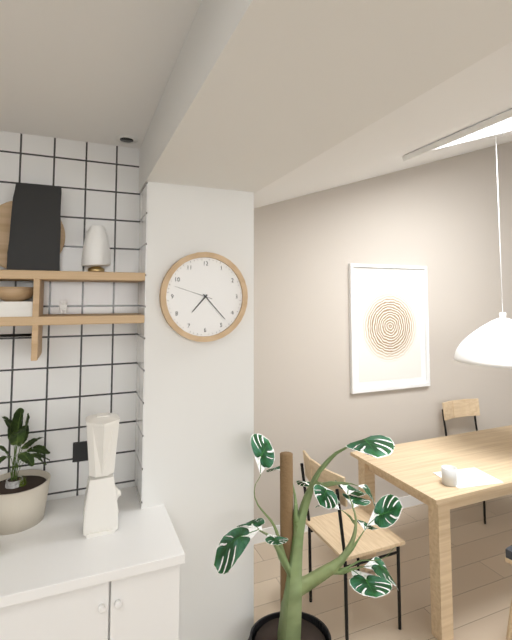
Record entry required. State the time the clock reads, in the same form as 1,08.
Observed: 7,23
